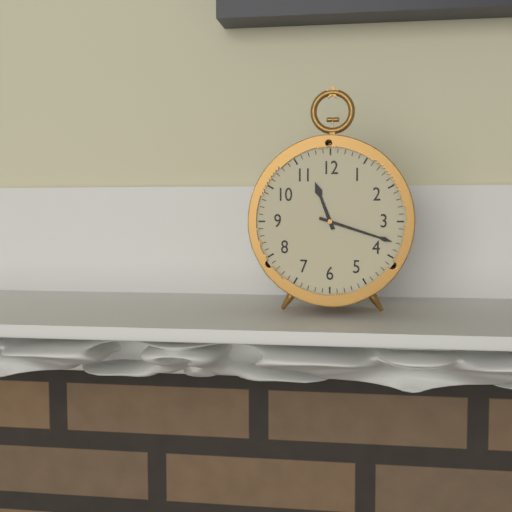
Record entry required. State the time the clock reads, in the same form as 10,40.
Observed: 11,18
